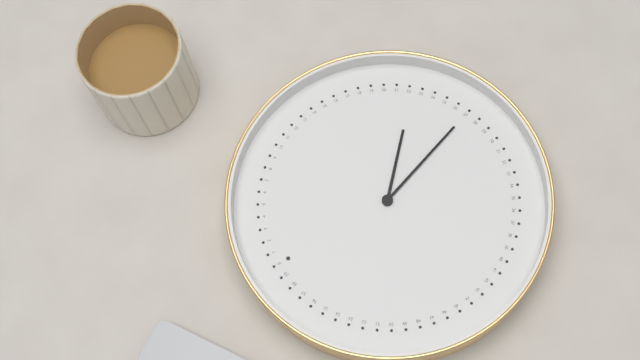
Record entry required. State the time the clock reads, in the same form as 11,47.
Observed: 4,27
